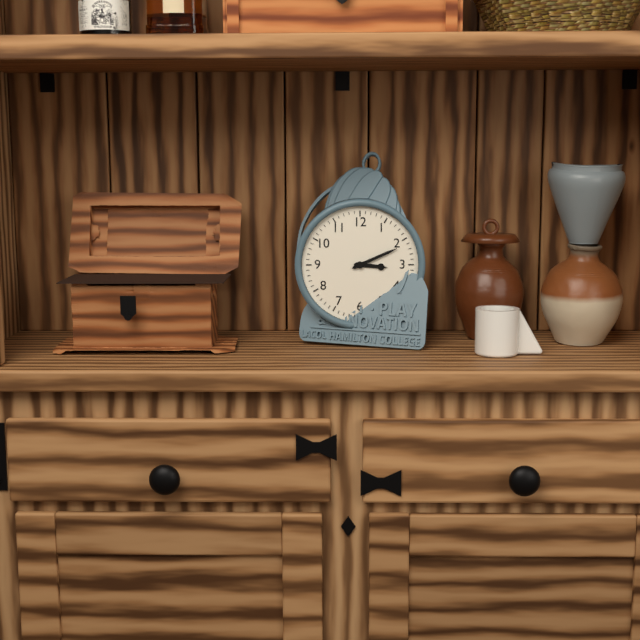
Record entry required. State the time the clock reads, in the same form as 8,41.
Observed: 3,11
